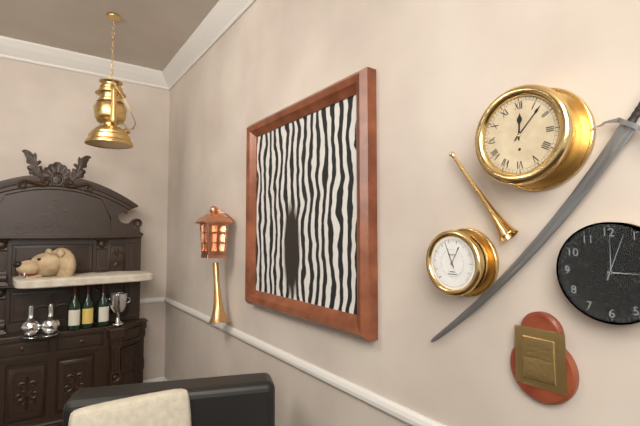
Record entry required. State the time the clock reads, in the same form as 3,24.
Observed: 12,07
